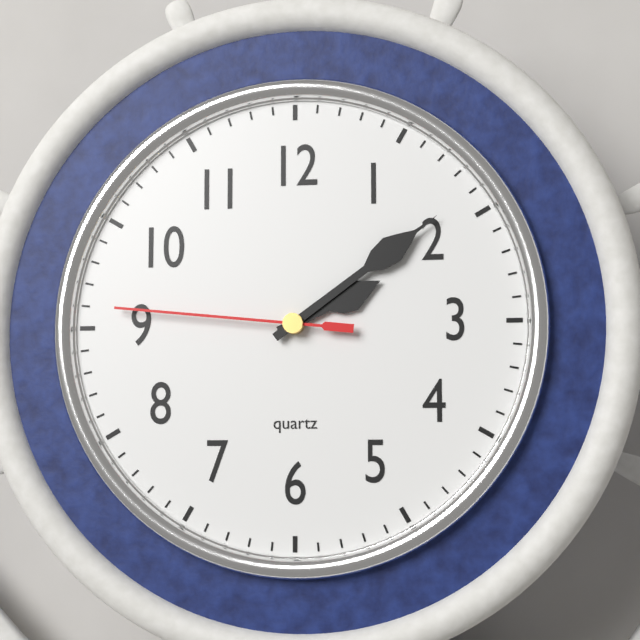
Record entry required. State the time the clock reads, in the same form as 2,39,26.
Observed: 2,09,46
